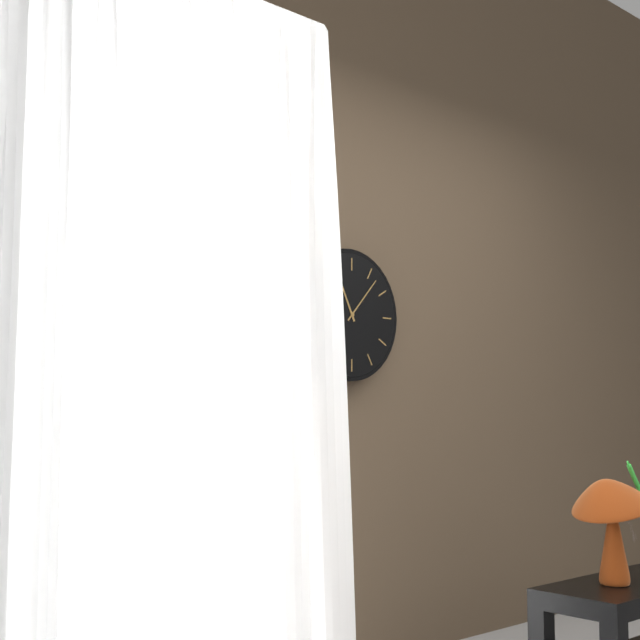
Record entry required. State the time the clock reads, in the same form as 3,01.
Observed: 11,07
